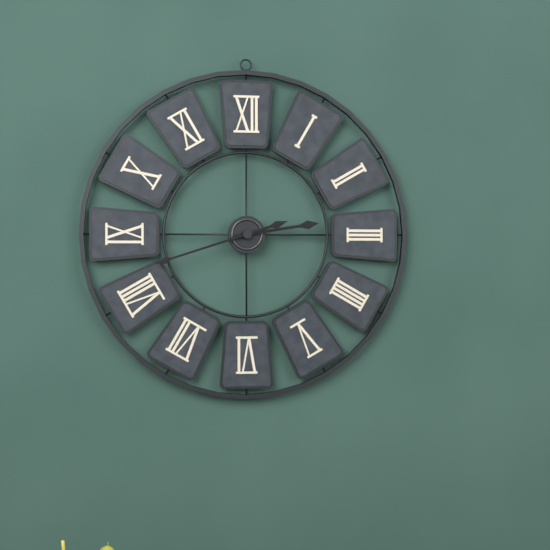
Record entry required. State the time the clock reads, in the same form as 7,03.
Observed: 2,42
